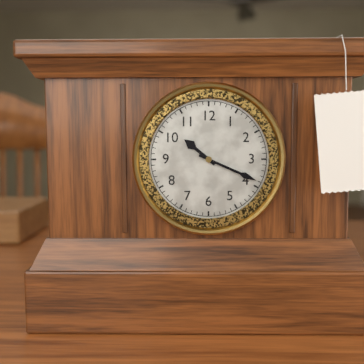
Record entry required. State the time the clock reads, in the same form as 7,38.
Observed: 10,19
